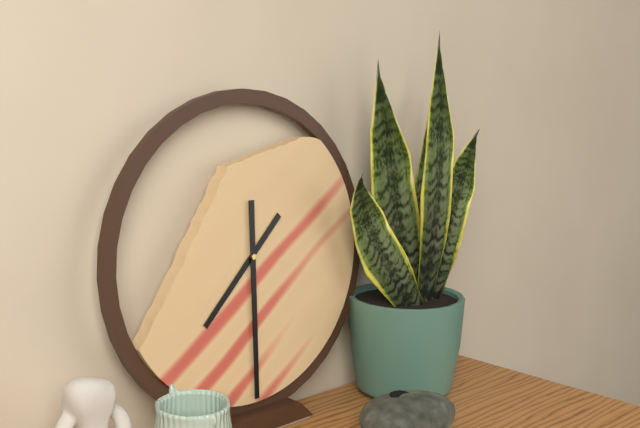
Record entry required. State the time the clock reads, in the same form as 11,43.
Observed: 7,30
